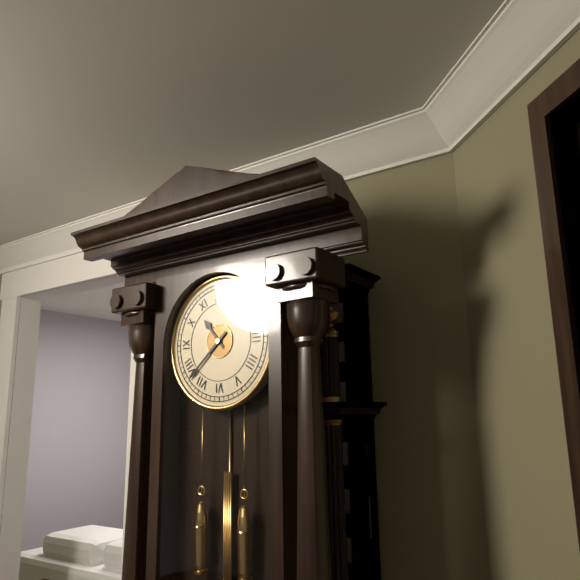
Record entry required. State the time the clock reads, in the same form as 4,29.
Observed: 10,38
